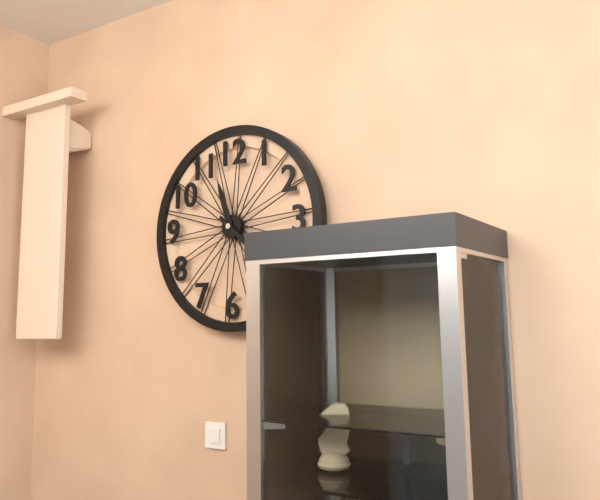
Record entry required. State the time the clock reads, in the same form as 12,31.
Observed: 11,22
